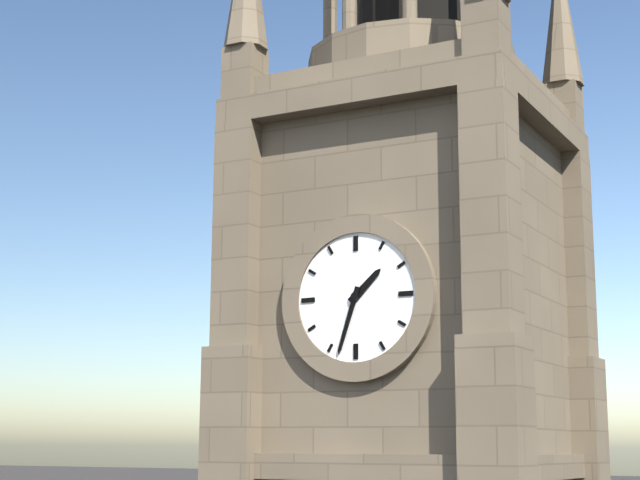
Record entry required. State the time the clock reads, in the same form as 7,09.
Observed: 1,33
